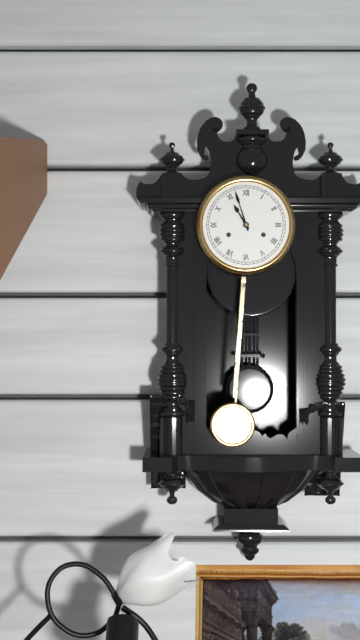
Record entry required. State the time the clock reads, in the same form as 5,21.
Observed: 10,57
